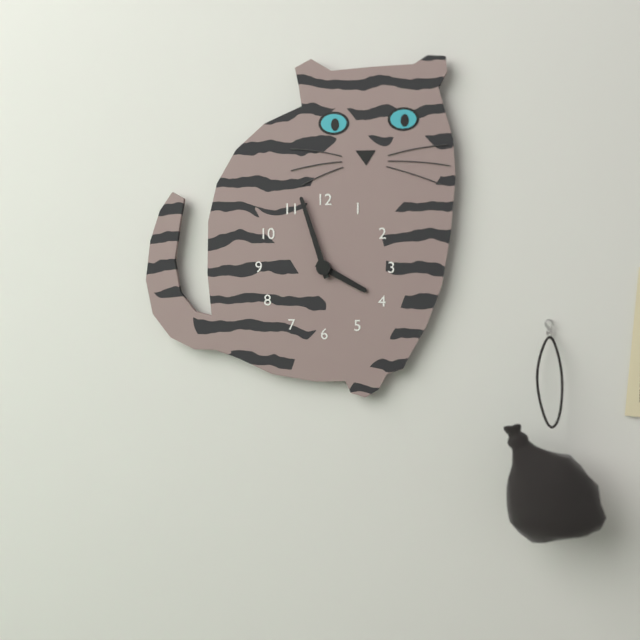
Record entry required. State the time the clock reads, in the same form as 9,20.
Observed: 3,57
